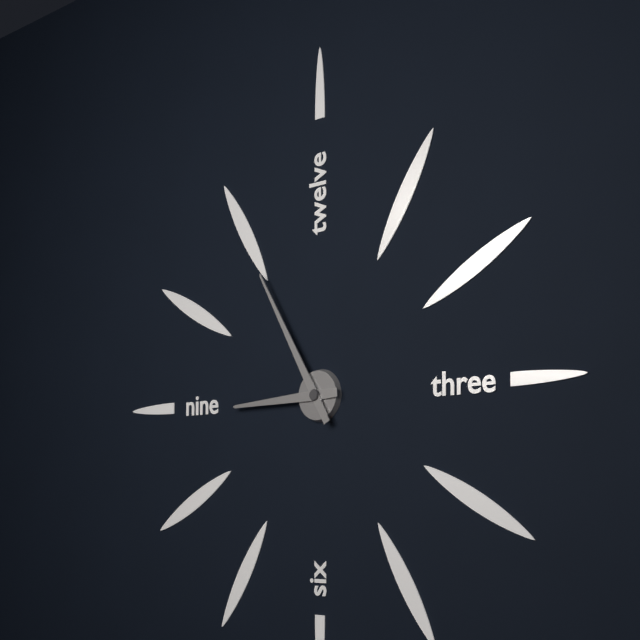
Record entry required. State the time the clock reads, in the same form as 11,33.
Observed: 8,55
